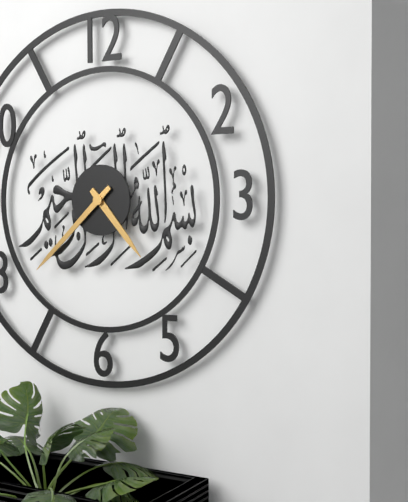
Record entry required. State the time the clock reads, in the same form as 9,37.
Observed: 4,38
